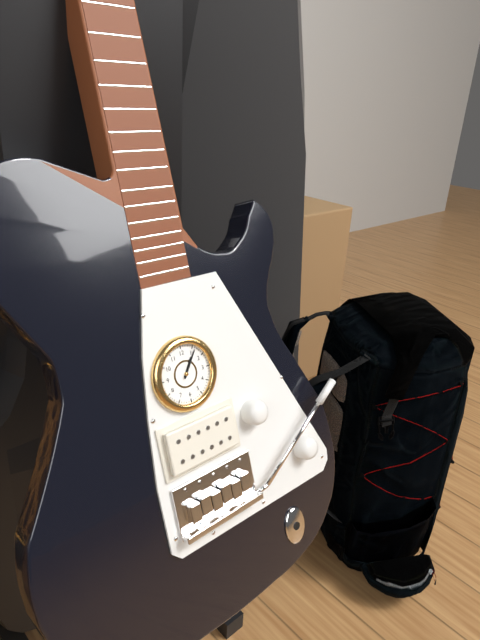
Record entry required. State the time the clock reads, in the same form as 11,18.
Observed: 1,06
